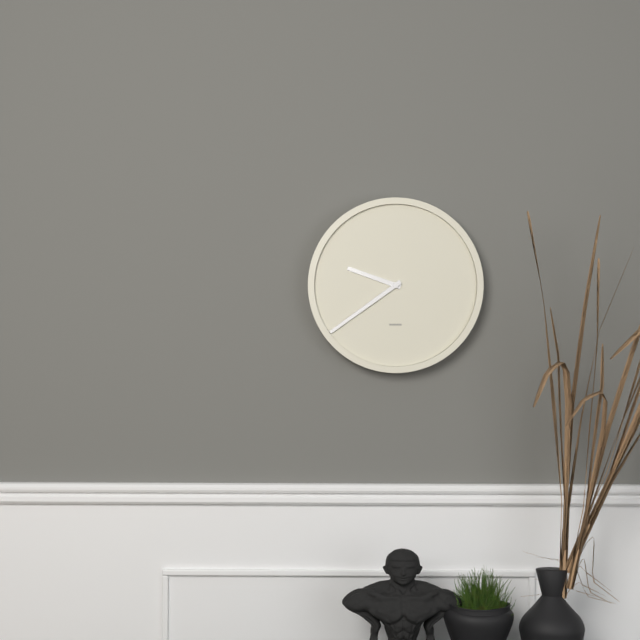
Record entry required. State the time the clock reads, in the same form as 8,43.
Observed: 9,39
